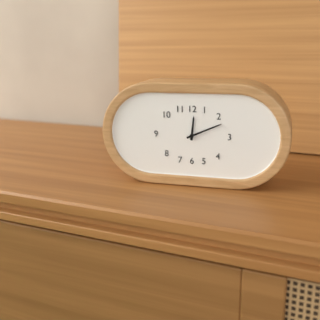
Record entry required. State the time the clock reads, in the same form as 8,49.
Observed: 12,11
